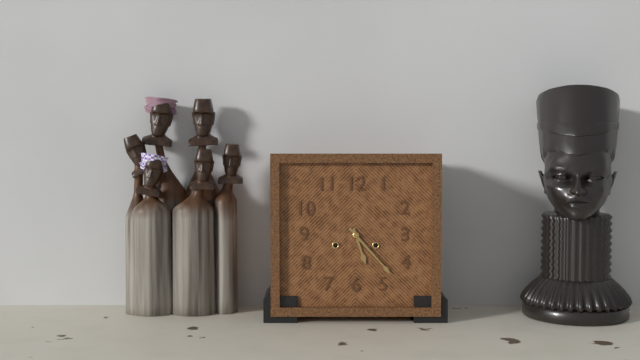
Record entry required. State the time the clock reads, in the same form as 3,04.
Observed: 5,23
